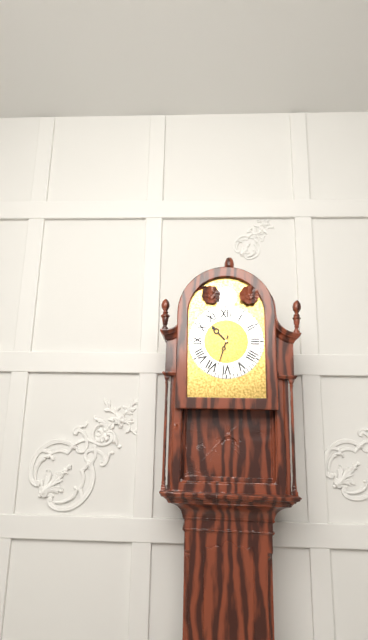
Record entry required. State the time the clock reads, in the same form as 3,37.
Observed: 10,33
